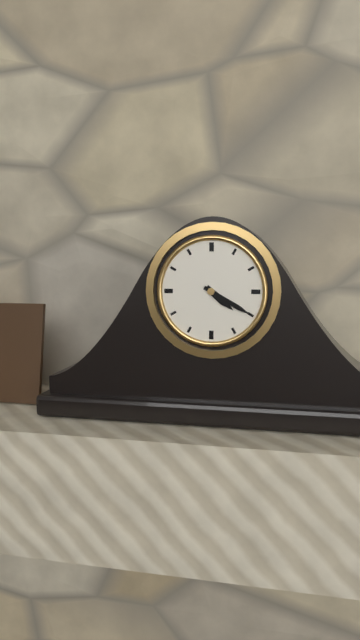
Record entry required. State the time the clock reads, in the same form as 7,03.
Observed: 4,20
